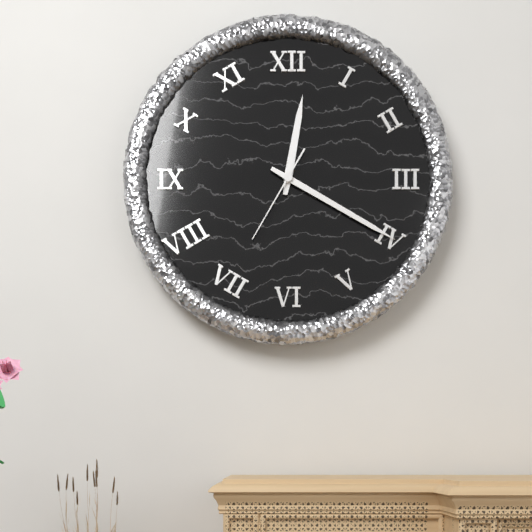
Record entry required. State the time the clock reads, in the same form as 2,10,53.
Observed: 12,20,35
